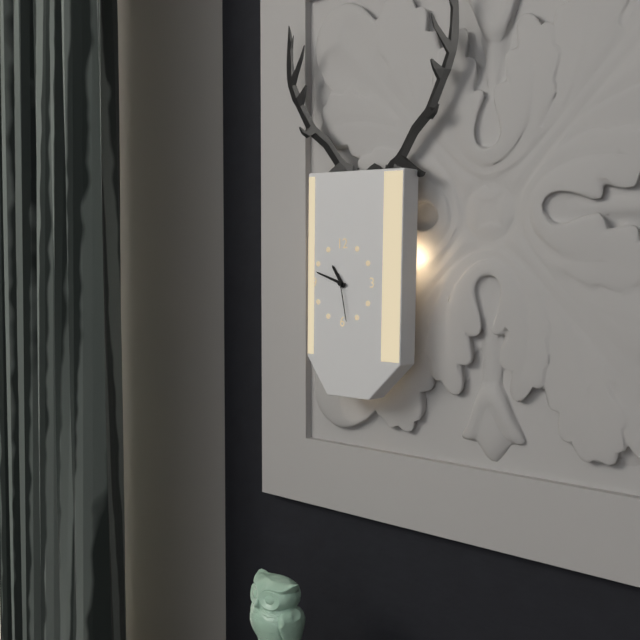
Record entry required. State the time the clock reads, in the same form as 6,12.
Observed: 10,48
